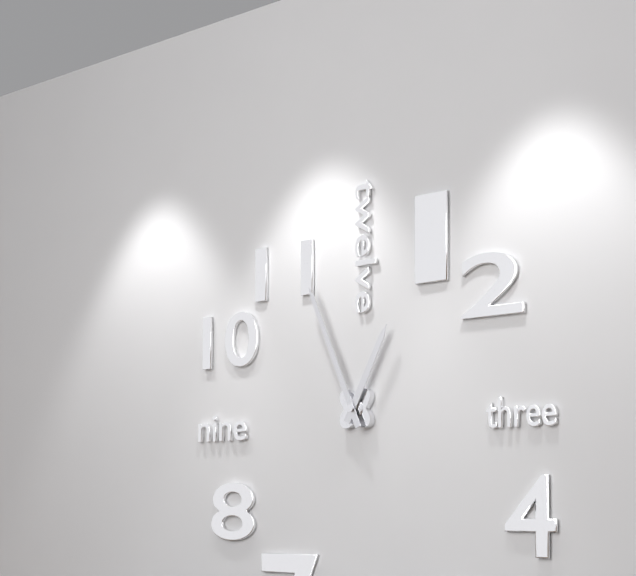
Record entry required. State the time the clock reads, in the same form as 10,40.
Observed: 12,56
